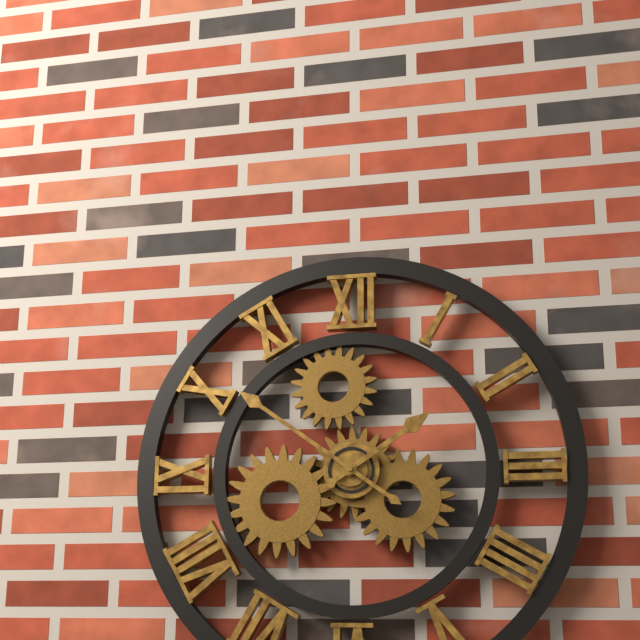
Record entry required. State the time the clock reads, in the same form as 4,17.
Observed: 1,51
